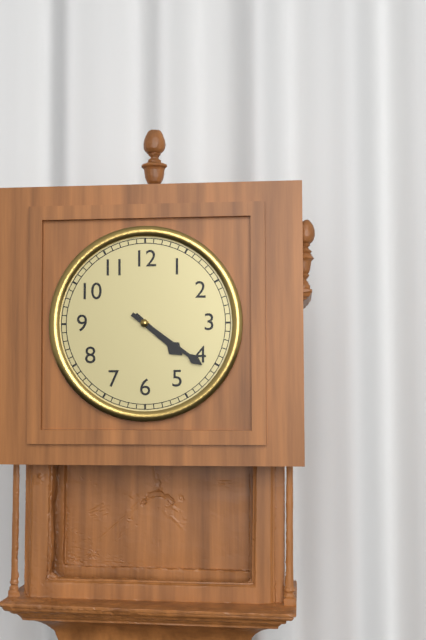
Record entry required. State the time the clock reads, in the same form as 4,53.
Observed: 4,21
